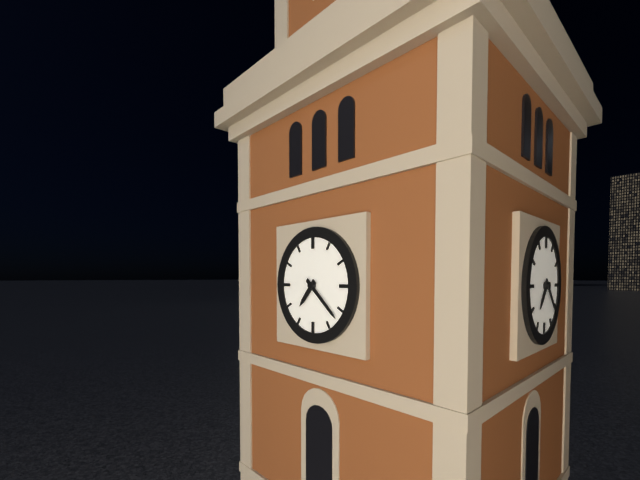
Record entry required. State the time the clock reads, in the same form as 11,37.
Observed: 7,22
